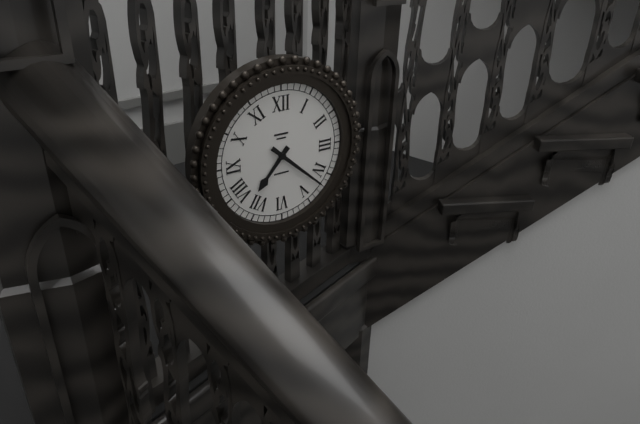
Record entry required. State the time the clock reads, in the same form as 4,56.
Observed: 7,22
